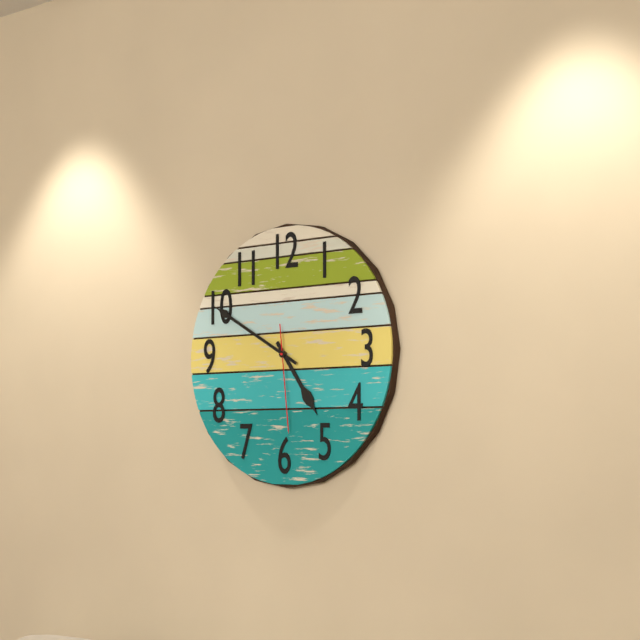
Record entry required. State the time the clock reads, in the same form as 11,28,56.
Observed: 4,50,29
